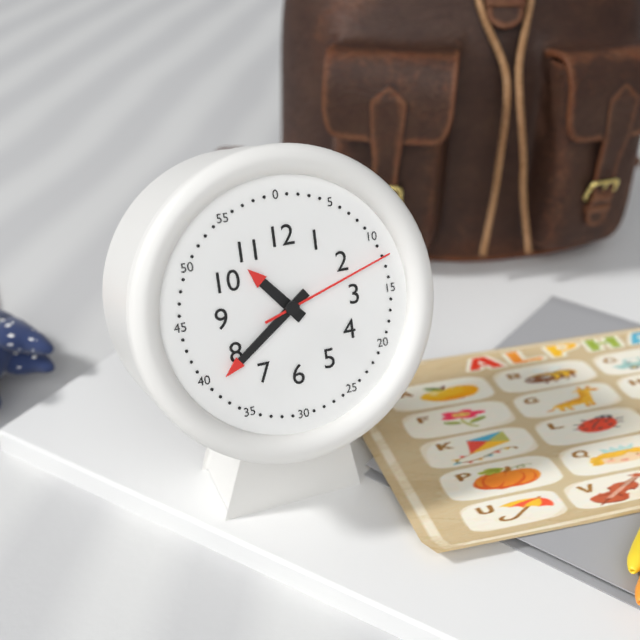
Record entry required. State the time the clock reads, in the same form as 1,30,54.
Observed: 10,39,12
